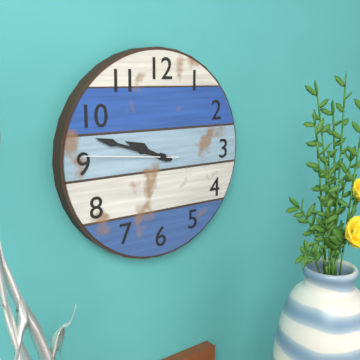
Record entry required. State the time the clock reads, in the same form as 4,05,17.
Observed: 9,48,46
